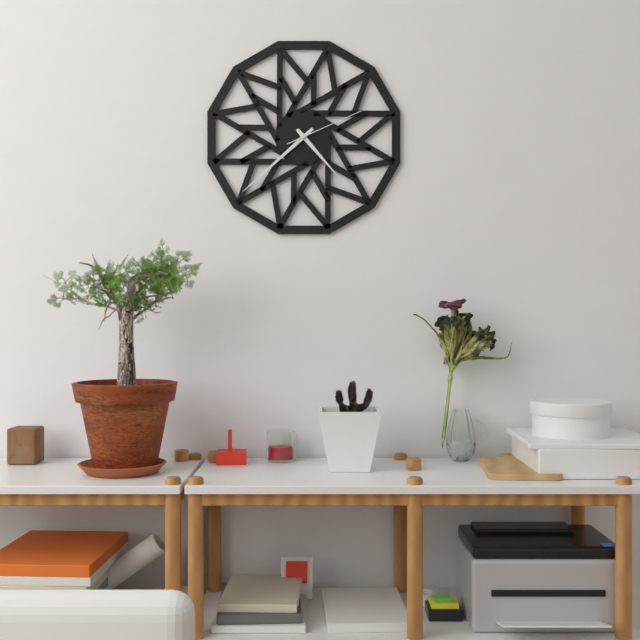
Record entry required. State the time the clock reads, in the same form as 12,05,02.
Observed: 4,38,11
